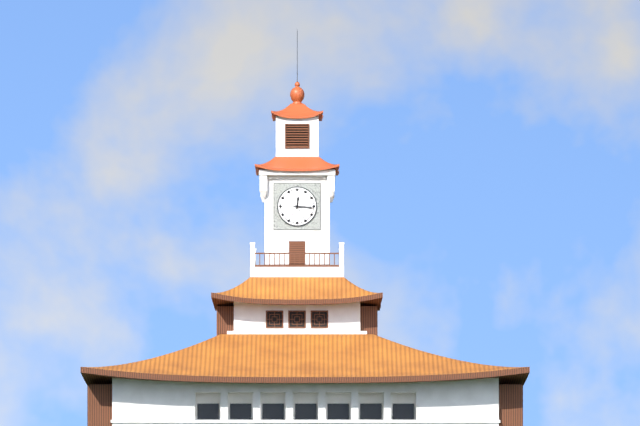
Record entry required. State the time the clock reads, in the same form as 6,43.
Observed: 12,16
